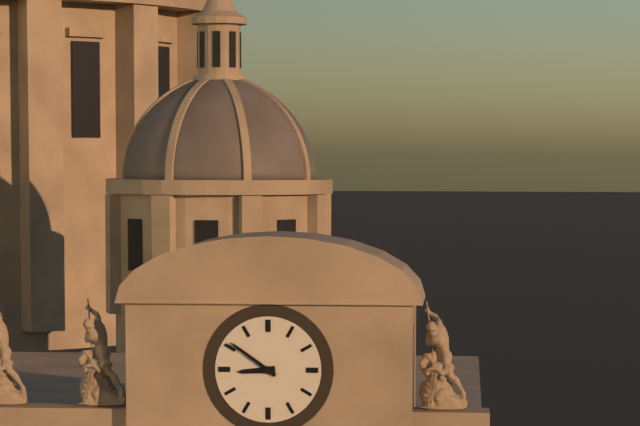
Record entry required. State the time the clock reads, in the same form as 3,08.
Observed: 8,51
